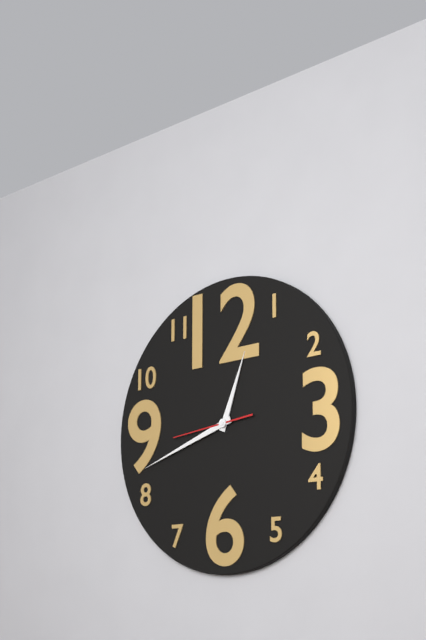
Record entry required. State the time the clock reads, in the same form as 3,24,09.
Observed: 12,42,44
